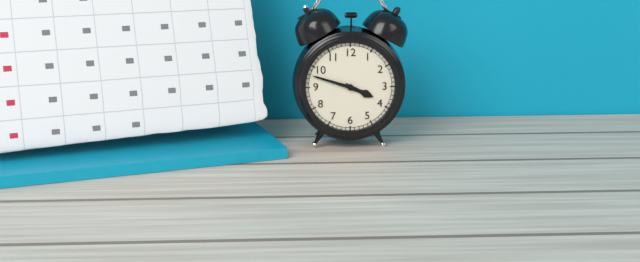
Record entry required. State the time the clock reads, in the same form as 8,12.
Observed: 3,48
